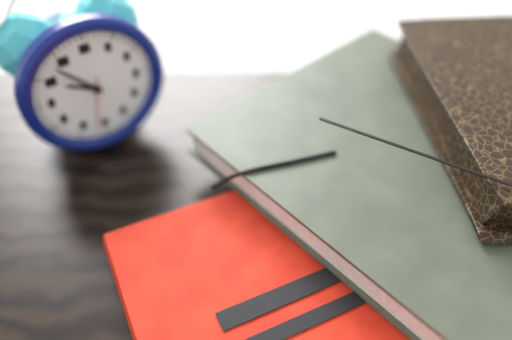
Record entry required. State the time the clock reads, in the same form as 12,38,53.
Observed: 9,53,32
